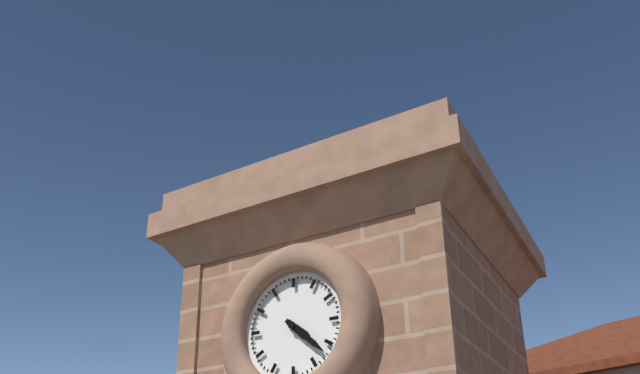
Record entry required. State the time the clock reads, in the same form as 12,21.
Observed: 4,22
